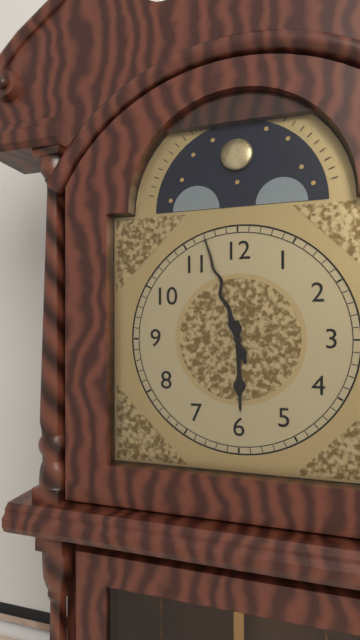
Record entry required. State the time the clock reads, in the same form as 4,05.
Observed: 5,57
